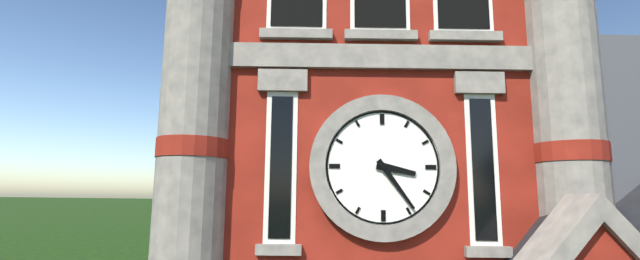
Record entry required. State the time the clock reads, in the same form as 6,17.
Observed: 3,24
